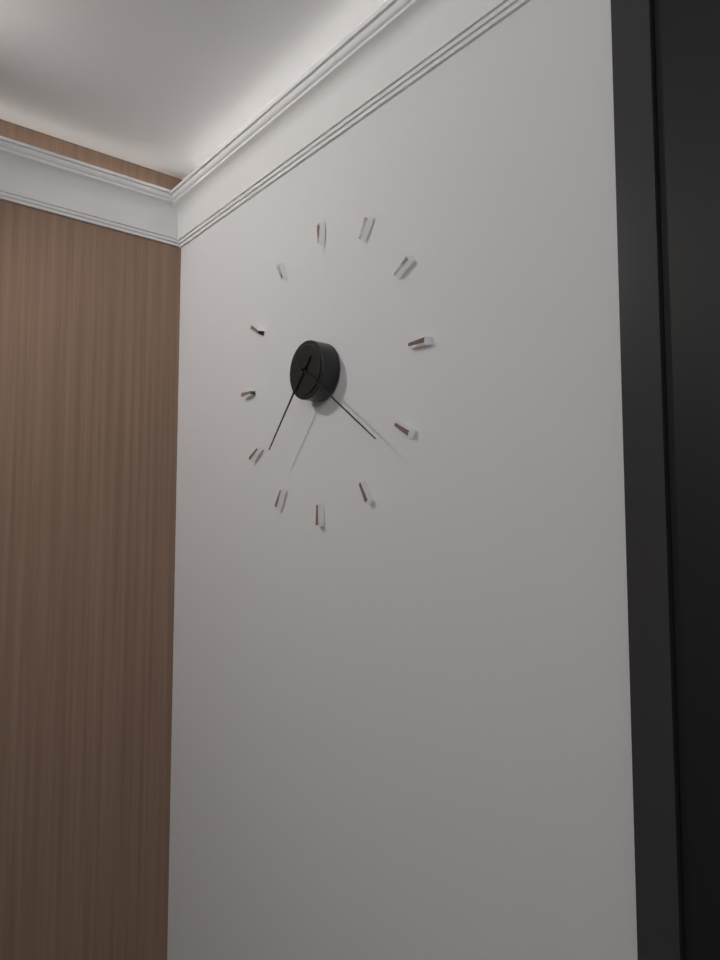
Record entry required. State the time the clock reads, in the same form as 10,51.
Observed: 7,21
